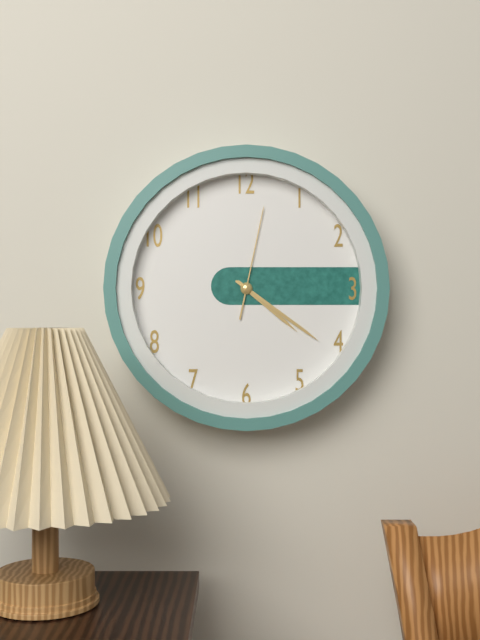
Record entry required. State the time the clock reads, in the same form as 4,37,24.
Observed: 4,21,02
